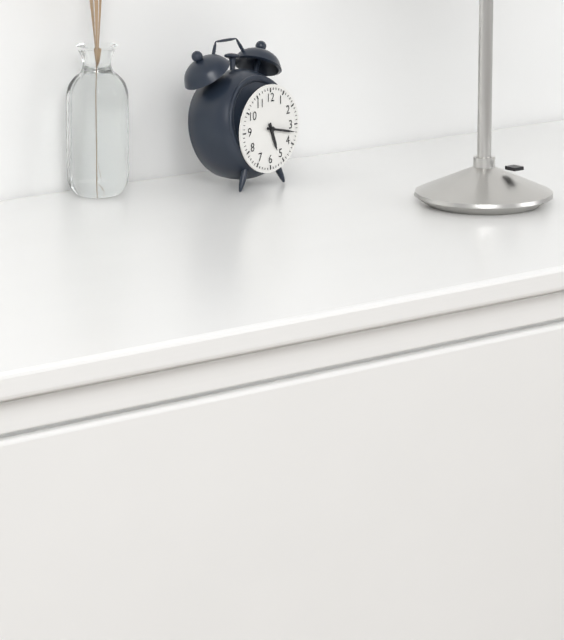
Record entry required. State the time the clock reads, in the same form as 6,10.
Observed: 5,17
